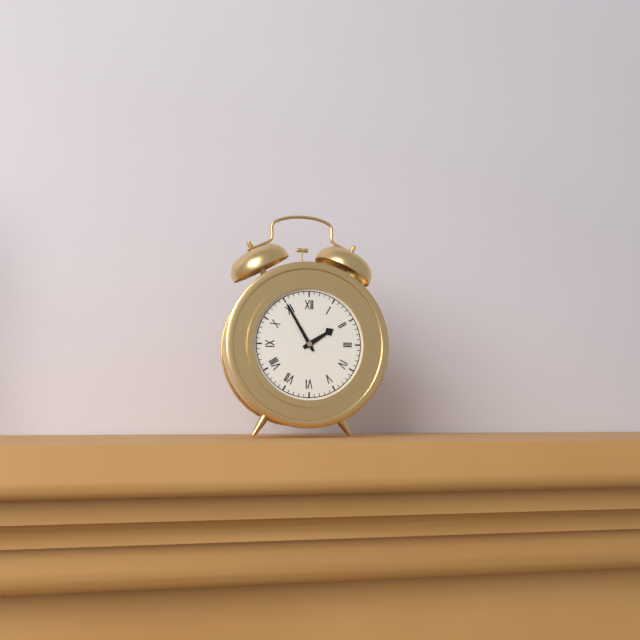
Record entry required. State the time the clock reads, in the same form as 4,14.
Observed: 1,55
